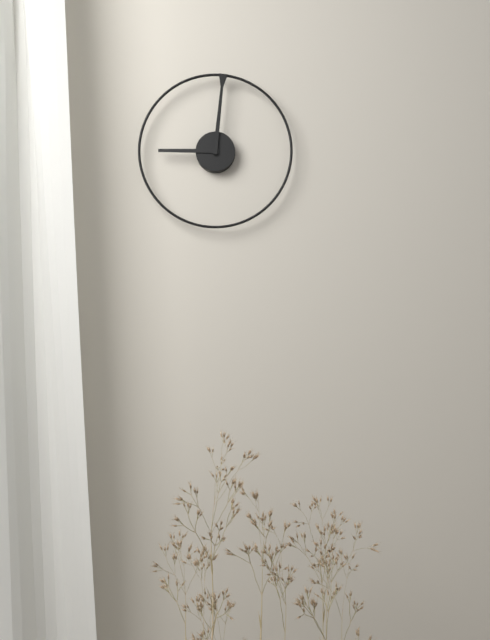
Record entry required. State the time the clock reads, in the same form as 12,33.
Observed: 9,01
